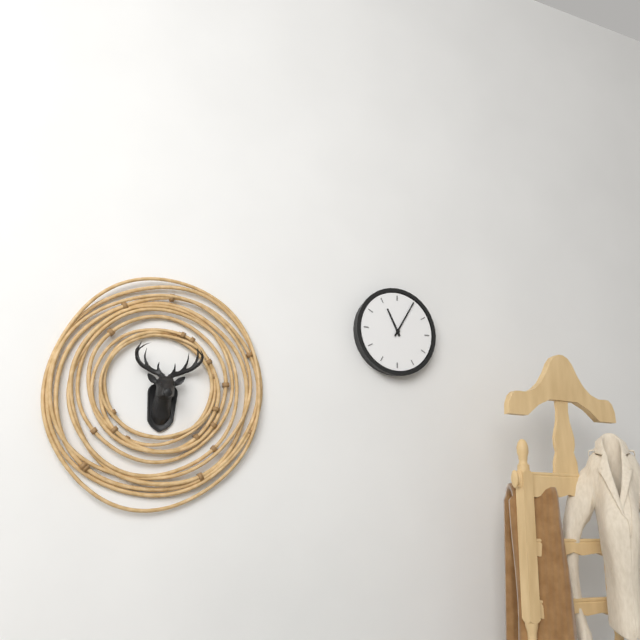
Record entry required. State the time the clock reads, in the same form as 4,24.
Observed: 11,05
